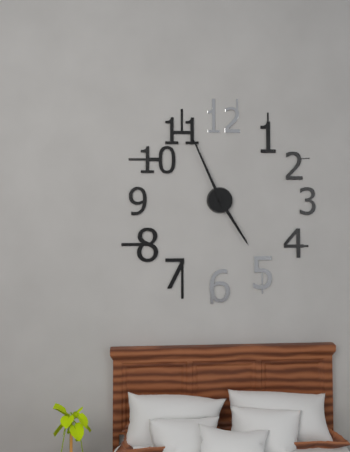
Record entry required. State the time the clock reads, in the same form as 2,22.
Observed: 4,56
